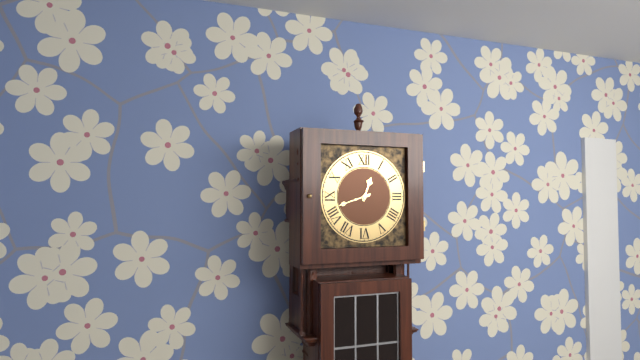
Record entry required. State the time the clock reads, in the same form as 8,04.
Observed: 12,42
